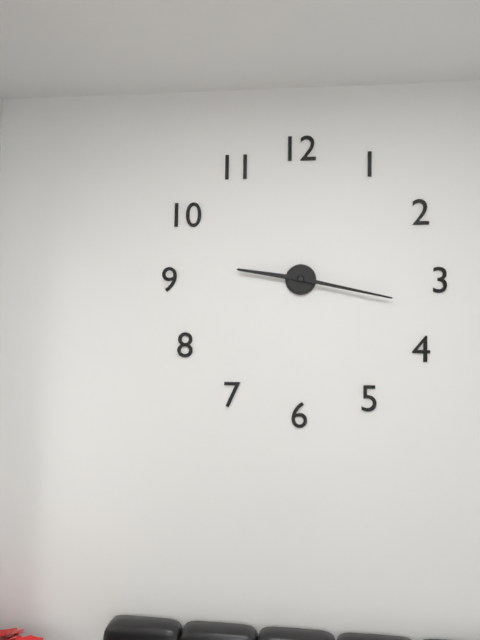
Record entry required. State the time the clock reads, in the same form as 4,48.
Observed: 9,17
